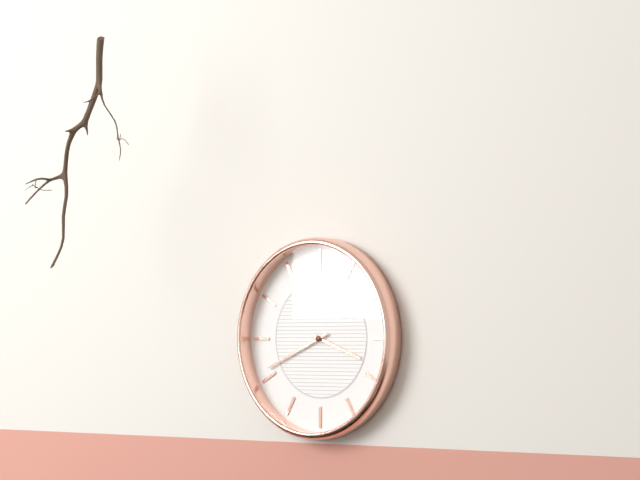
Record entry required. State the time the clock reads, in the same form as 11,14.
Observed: 3,41
